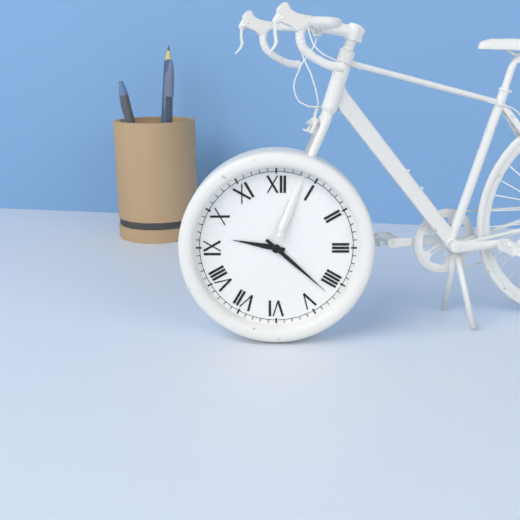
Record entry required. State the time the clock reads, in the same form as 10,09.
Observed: 9,22
